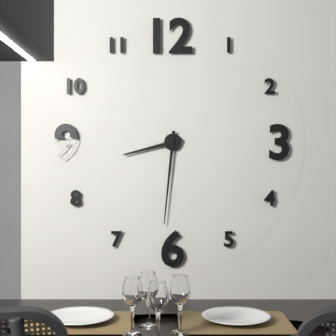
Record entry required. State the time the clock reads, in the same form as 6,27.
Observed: 8,31
